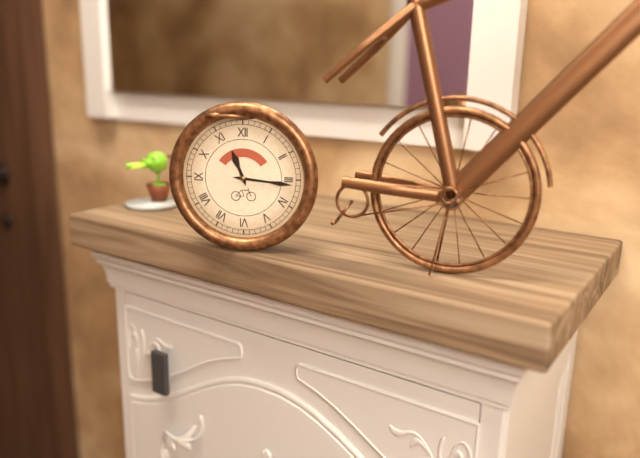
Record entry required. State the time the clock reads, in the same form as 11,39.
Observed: 11,16
